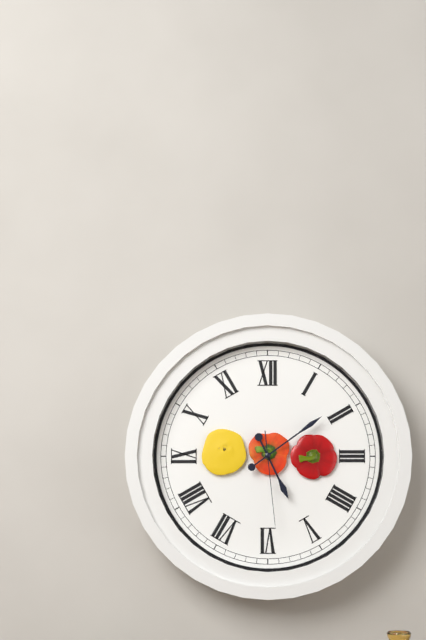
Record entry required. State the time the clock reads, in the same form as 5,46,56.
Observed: 5,09,29
